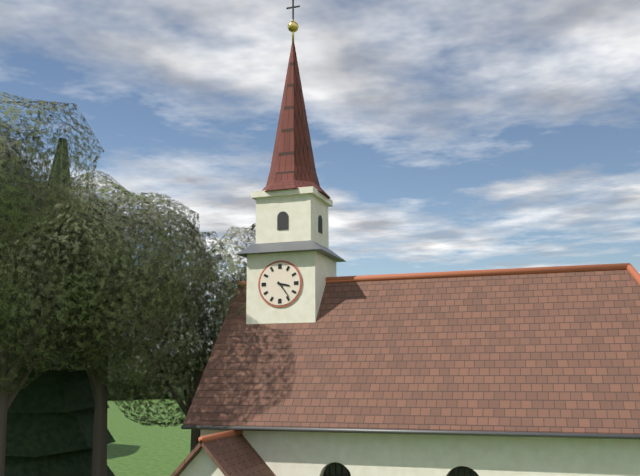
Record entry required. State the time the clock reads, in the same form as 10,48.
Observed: 3,24
